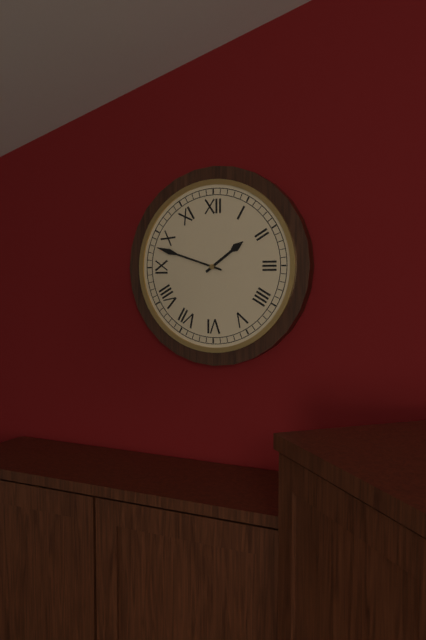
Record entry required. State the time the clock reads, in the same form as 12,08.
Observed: 1,48
